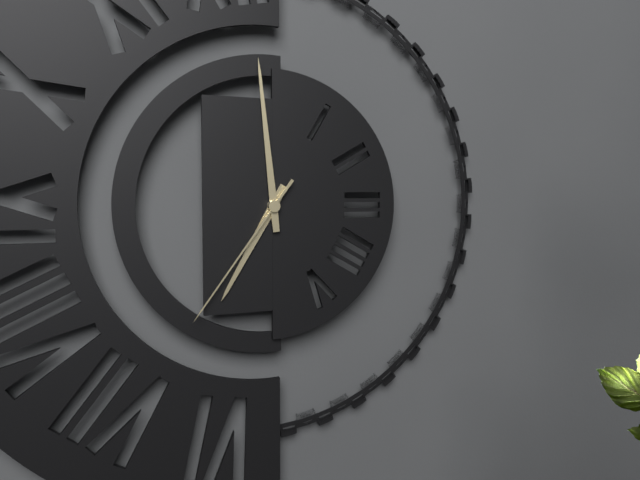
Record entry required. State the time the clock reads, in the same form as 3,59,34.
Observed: 6,59,36
